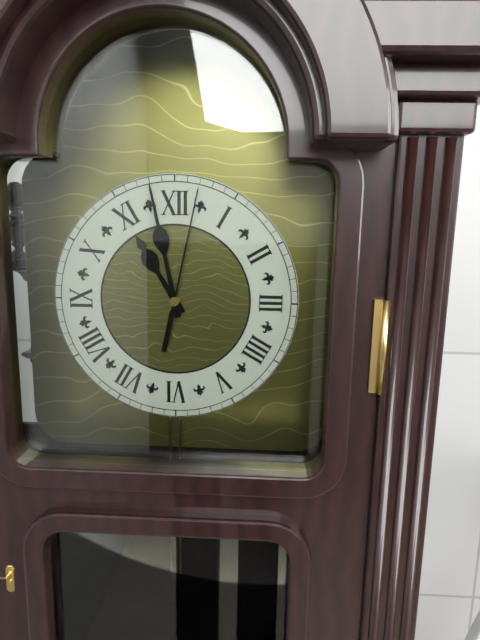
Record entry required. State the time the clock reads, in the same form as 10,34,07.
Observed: 10,58,02
